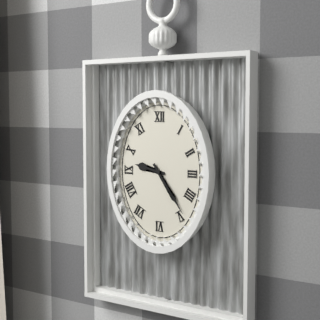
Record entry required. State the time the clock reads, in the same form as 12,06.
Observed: 9,24
